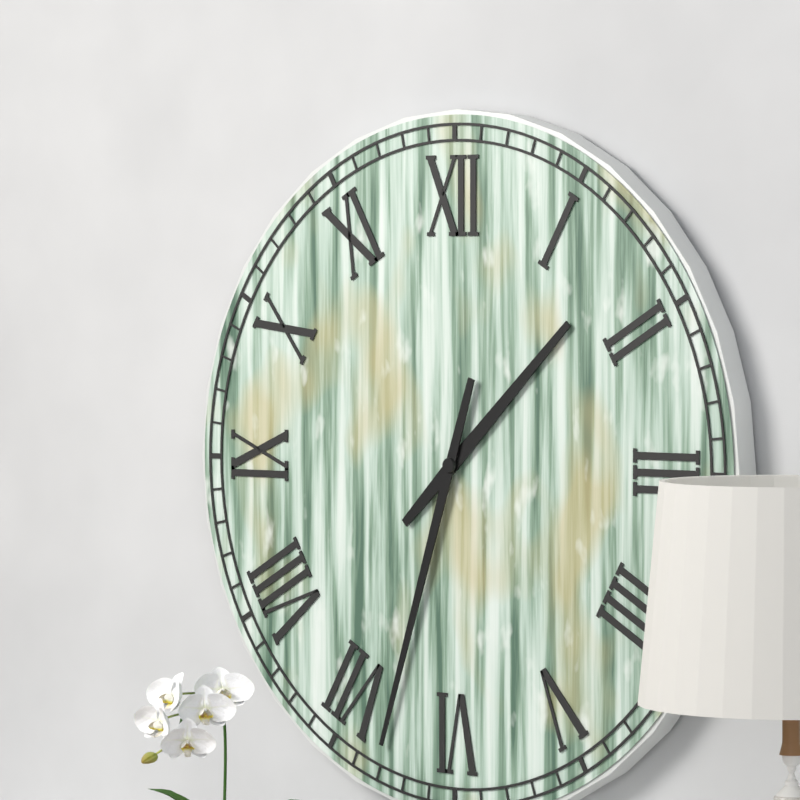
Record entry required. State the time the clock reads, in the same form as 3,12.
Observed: 1,33
